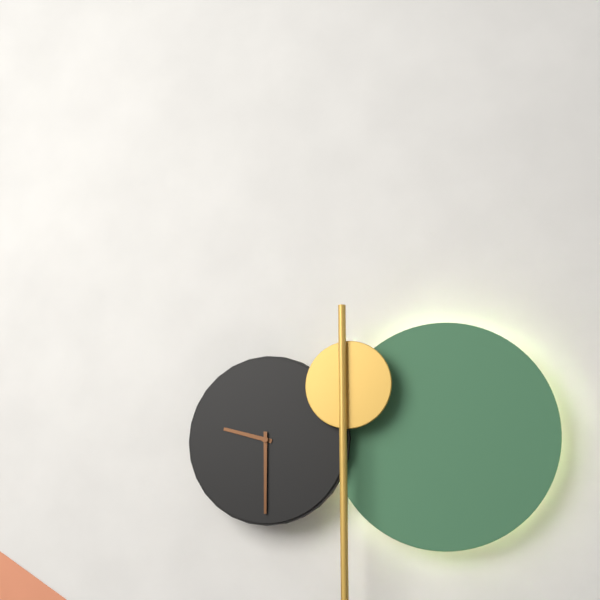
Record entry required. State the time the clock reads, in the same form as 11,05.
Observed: 9,30
